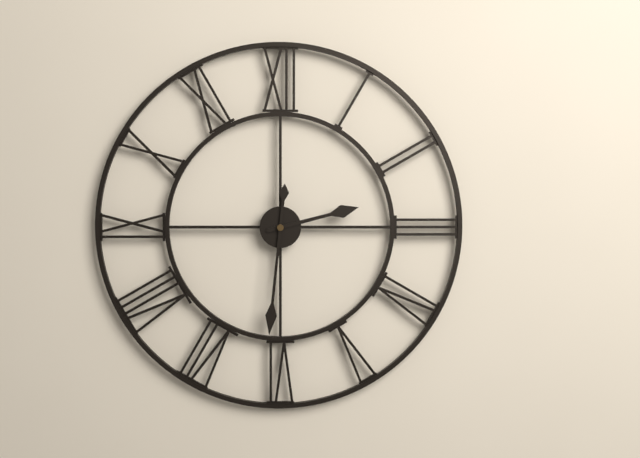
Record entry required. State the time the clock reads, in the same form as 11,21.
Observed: 2,31
